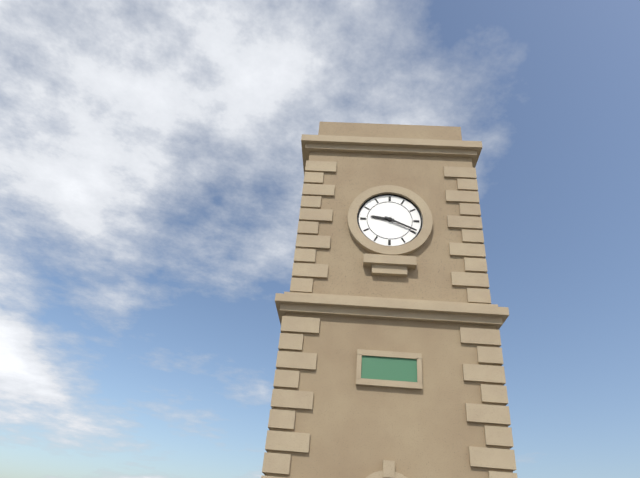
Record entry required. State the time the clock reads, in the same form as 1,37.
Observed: 9,19
